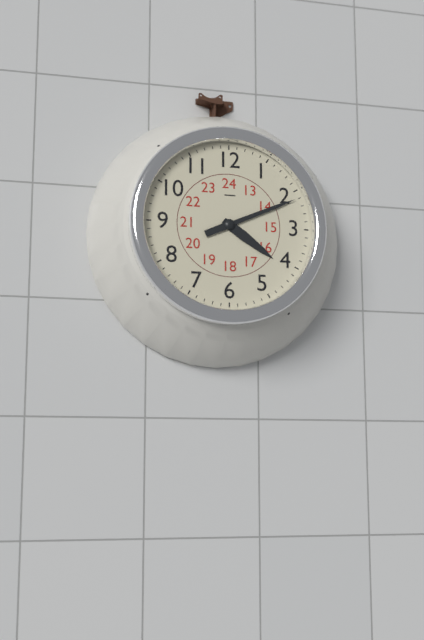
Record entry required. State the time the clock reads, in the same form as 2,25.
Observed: 4,11
